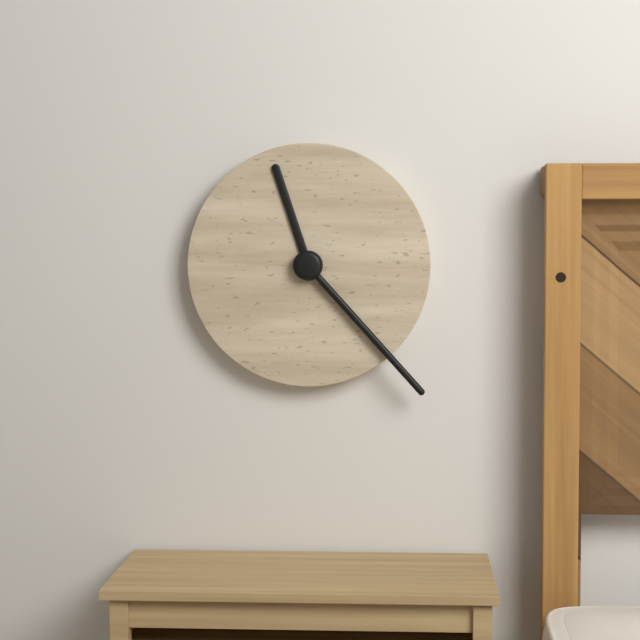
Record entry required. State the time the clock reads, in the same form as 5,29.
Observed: 11,23
